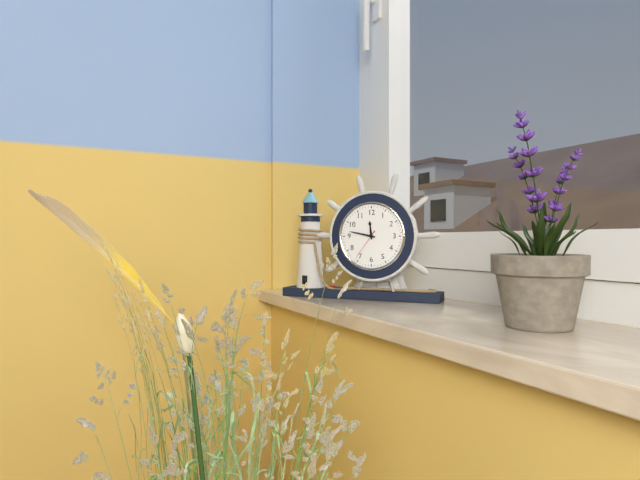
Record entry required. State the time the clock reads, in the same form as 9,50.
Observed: 11,47
